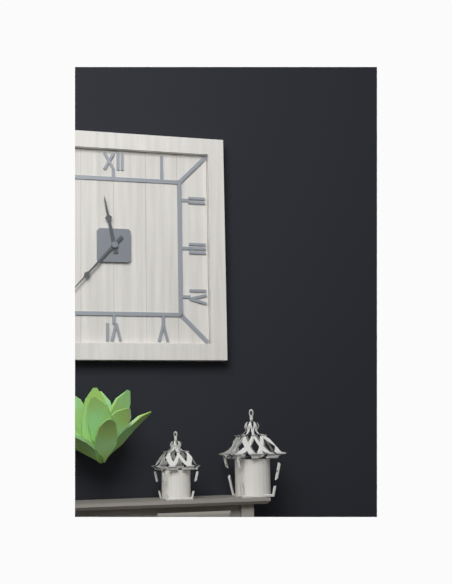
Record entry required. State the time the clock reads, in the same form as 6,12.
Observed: 11,37
